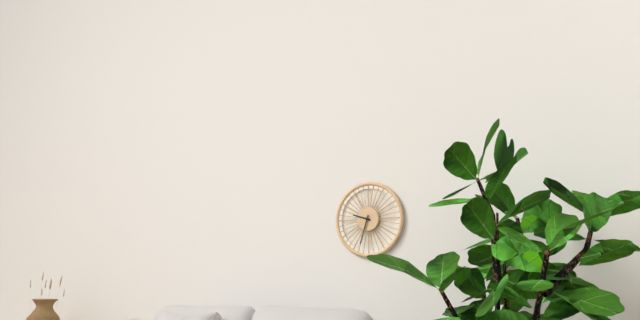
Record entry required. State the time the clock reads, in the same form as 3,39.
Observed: 9,33
